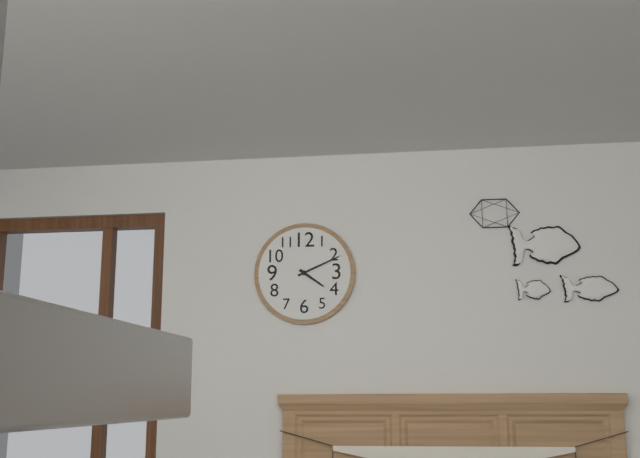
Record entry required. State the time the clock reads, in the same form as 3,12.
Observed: 4,11
